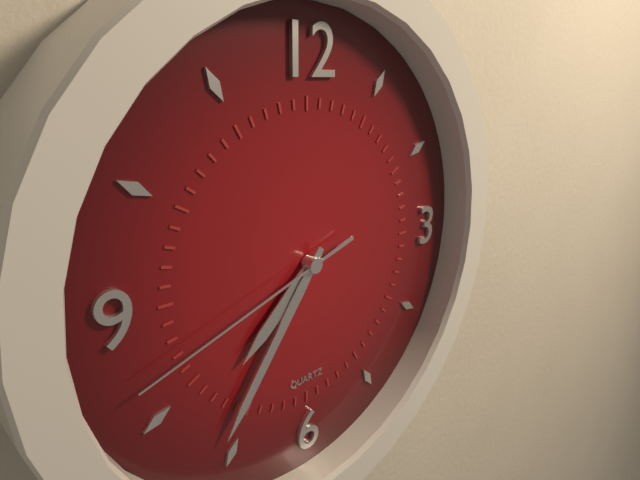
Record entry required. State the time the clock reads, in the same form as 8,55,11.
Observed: 7,36,42
